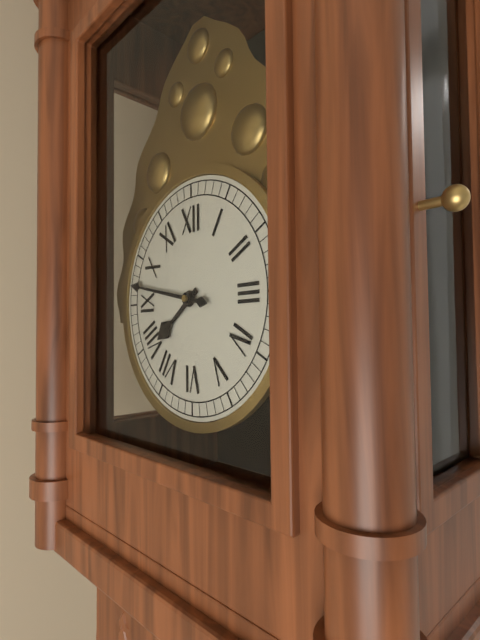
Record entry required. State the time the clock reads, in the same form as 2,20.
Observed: 7,47
